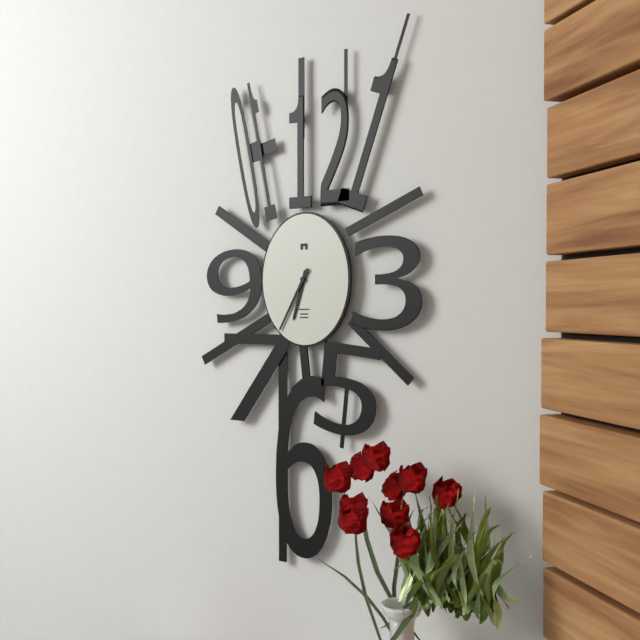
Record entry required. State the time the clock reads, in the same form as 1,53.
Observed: 6,35
